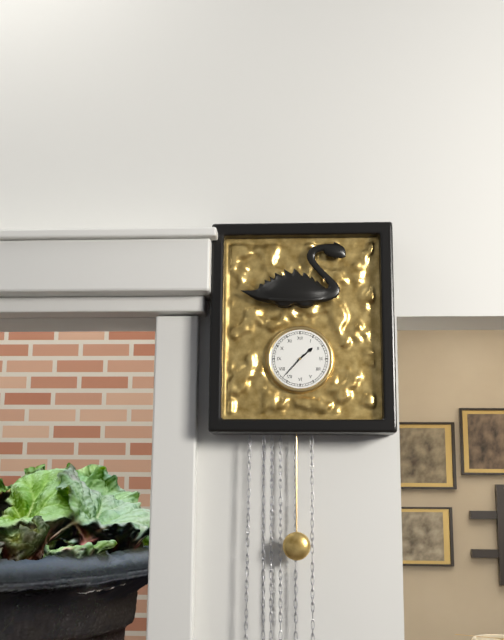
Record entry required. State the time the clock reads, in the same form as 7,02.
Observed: 1,37
